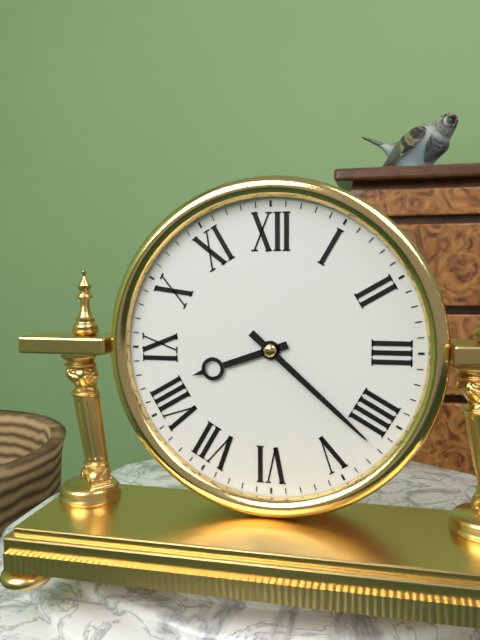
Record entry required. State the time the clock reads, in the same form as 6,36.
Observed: 8,22
